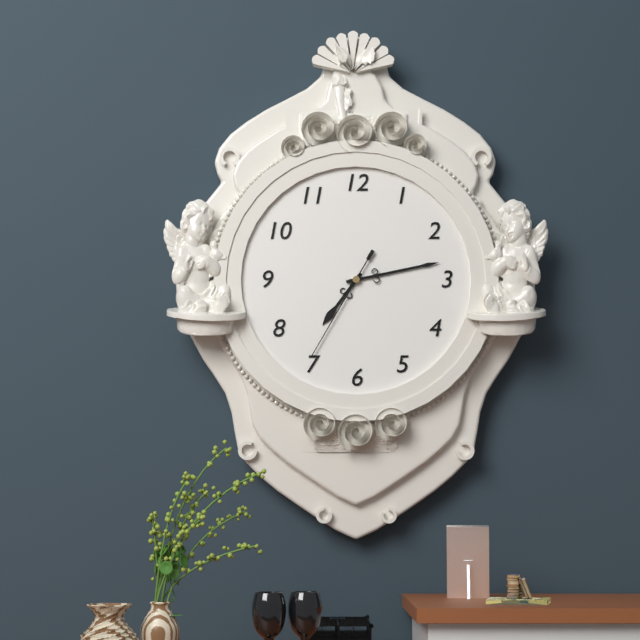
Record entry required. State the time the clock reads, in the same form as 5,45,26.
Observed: 7,13,35
